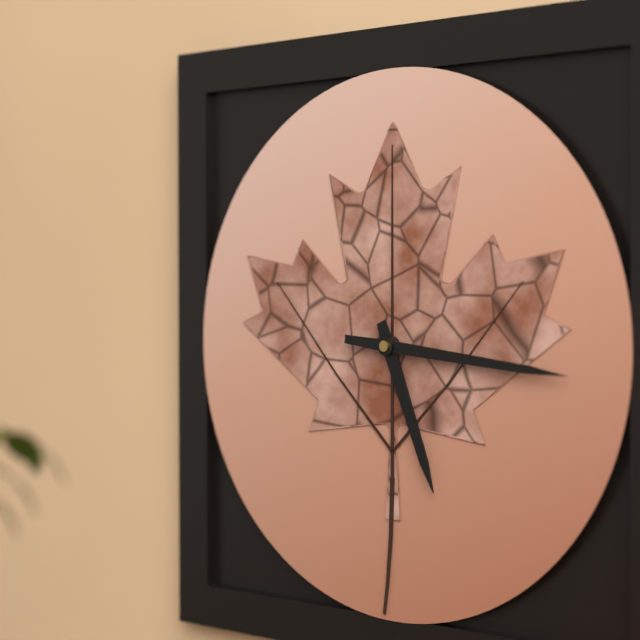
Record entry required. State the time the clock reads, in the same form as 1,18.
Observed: 5,16
